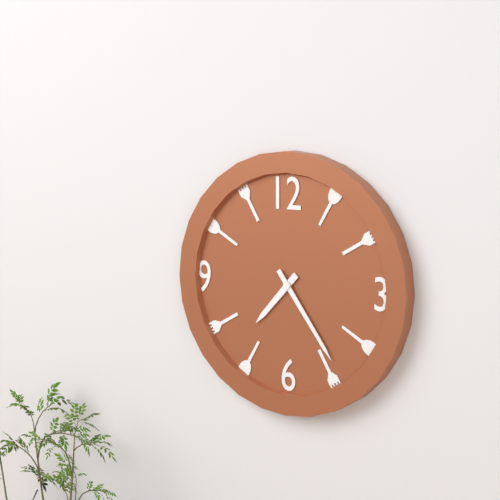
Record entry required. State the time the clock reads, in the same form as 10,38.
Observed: 7,24
